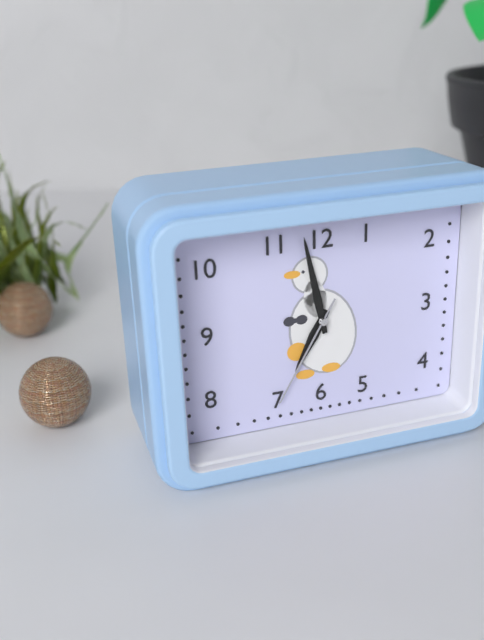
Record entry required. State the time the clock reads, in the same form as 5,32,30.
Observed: 6,58,35
